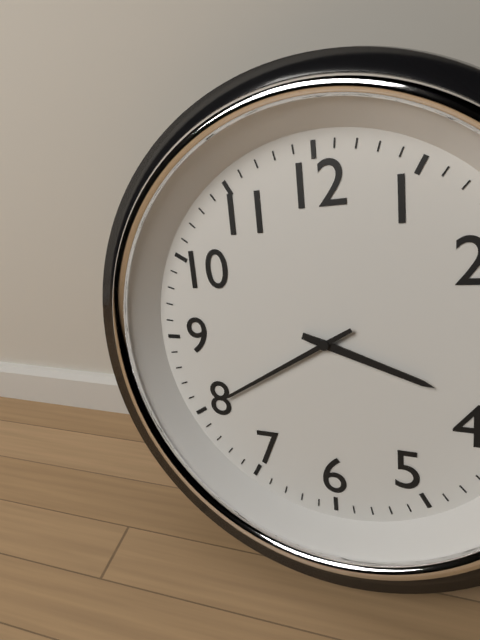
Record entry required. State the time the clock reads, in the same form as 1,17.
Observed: 3,40
